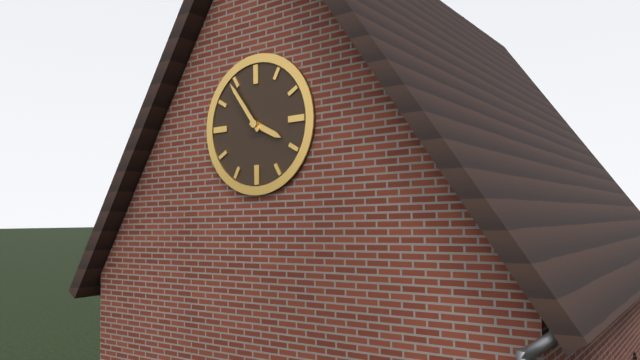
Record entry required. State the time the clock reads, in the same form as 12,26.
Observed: 3,54
